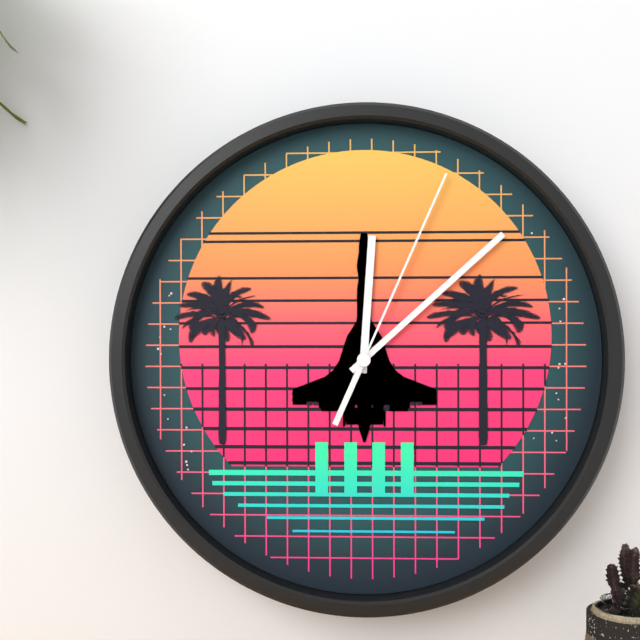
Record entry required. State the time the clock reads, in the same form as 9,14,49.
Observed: 12,08,04
